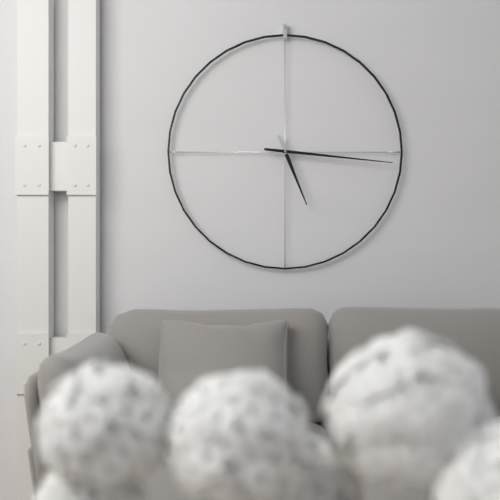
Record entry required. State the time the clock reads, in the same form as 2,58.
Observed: 5,16
